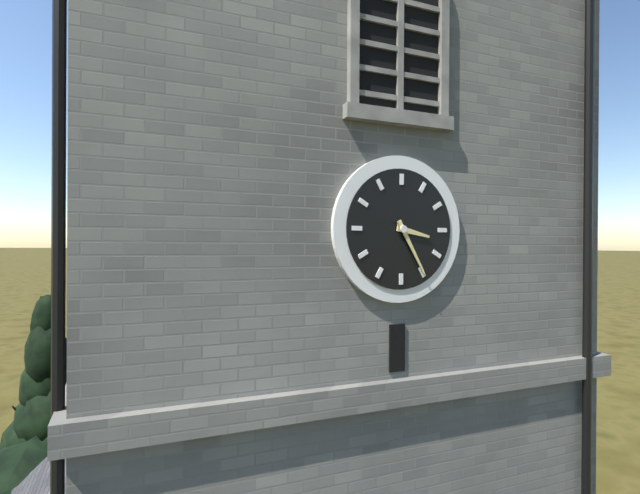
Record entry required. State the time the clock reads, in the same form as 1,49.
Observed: 3,25
